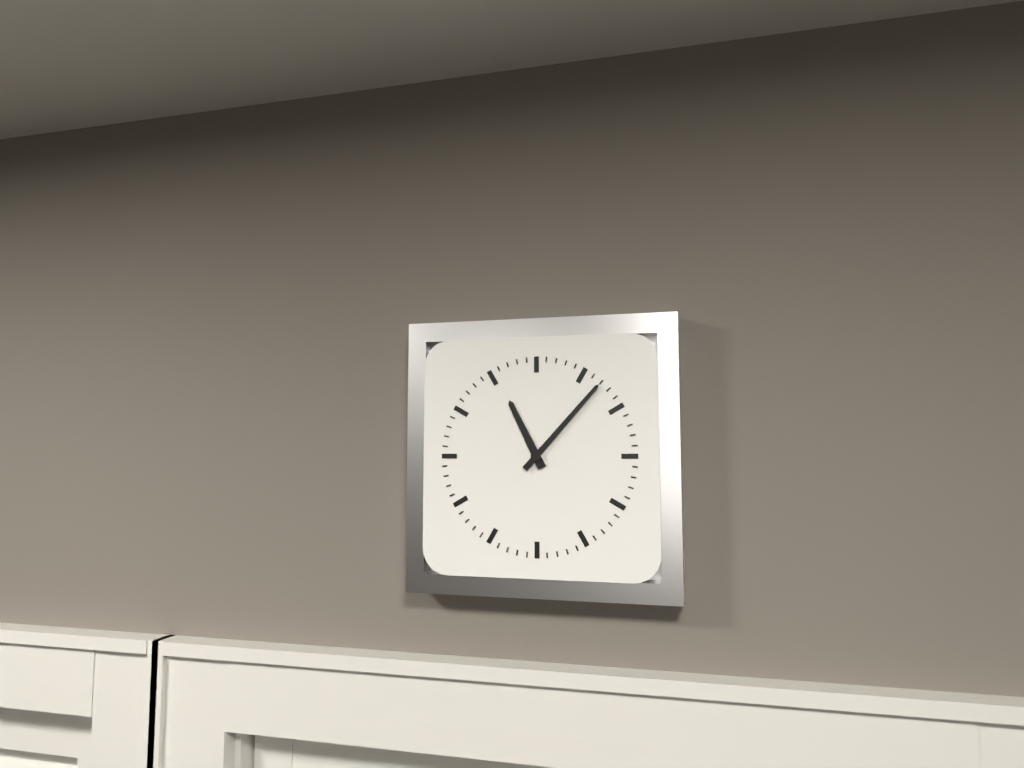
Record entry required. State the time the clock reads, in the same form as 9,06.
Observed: 11,07
